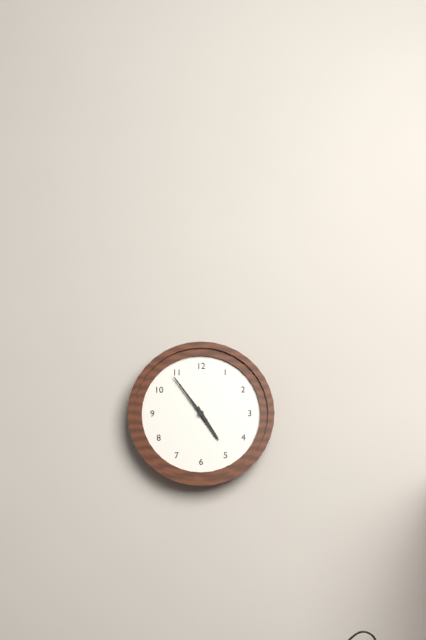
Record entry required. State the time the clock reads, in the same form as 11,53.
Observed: 4,54
